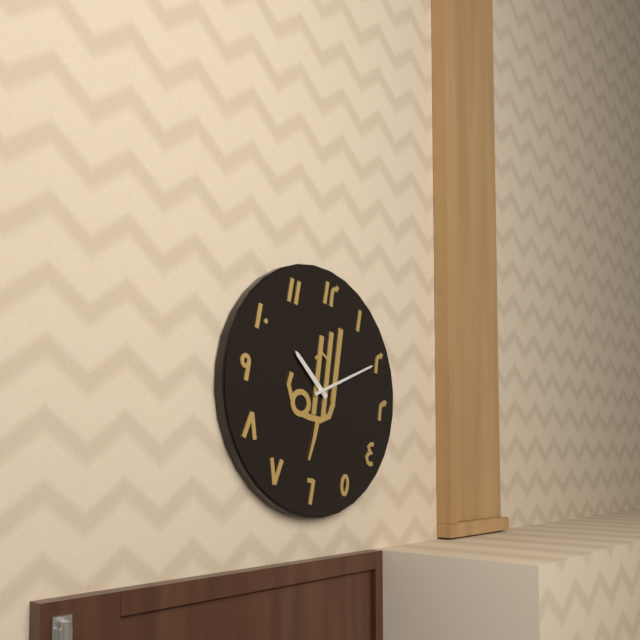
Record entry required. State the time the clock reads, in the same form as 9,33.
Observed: 10,10
